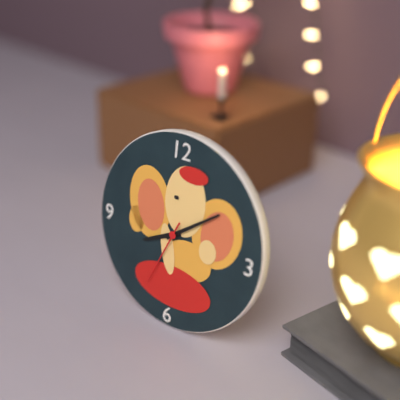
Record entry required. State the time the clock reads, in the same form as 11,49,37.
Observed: 8,09,34
